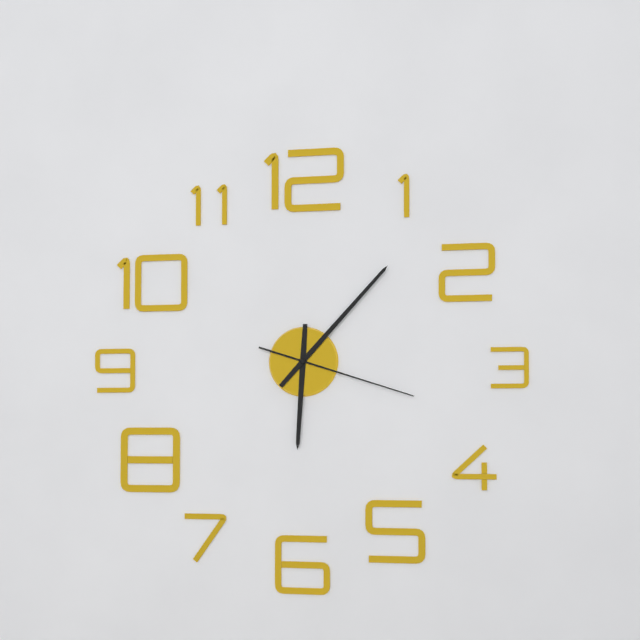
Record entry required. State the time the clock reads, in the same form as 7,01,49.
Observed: 6,07,18
